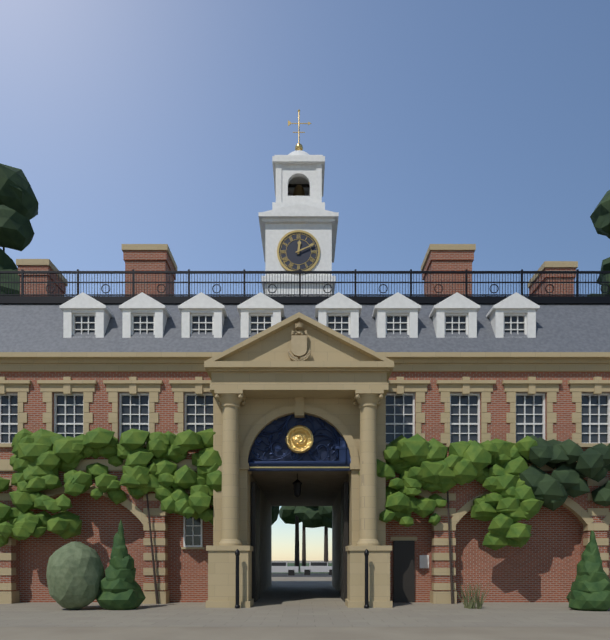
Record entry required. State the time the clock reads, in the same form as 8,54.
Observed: 12,11
